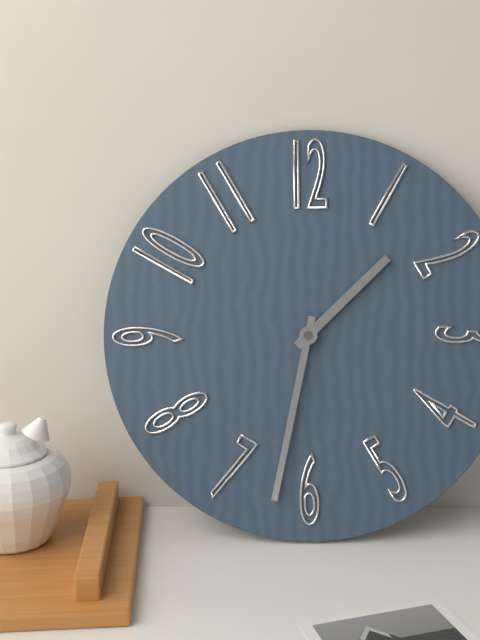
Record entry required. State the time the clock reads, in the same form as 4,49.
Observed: 1,32
